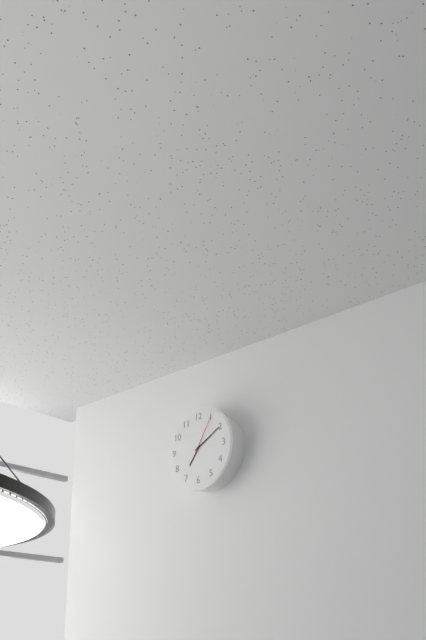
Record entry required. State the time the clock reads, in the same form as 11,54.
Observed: 7,10
